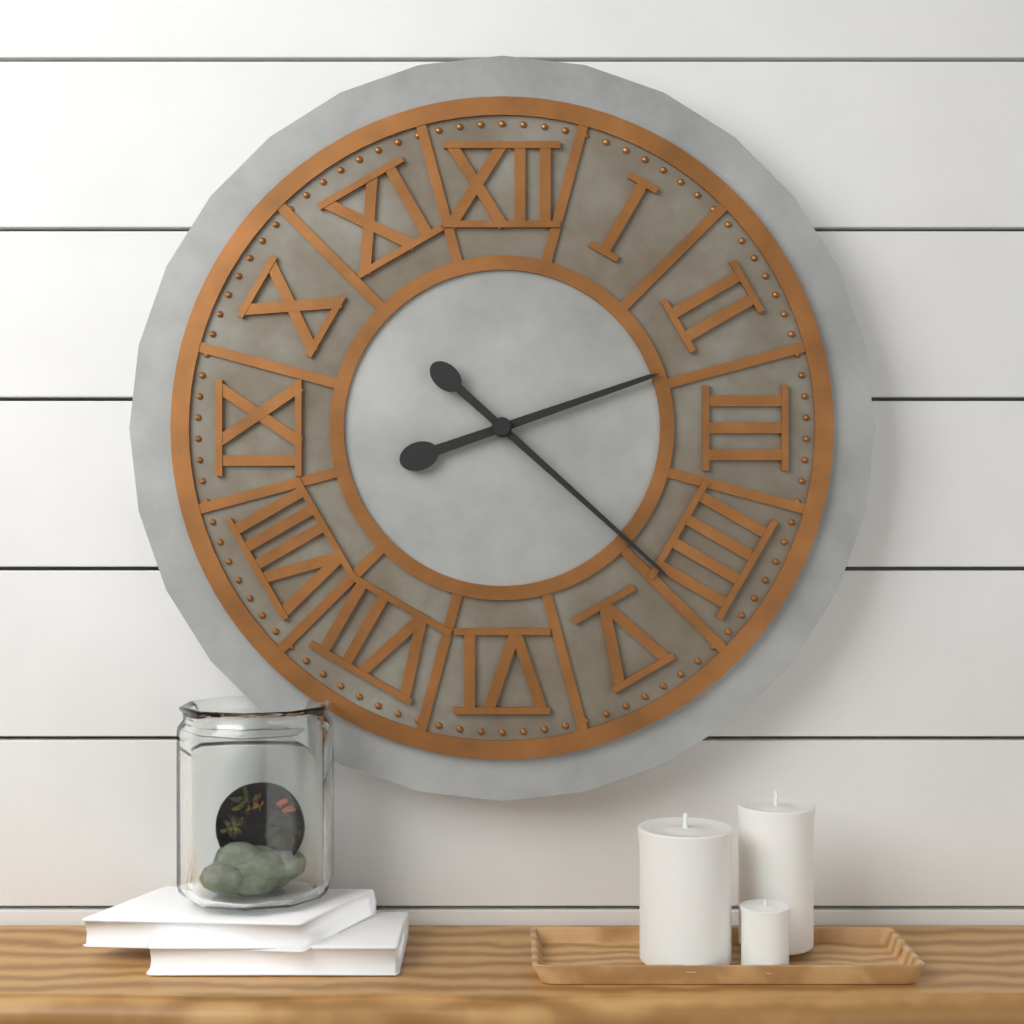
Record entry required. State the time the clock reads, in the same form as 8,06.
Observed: 2,22
